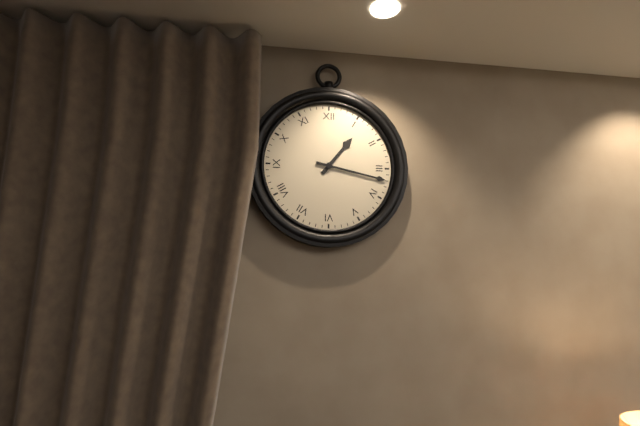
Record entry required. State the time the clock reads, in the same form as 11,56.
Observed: 1,17
